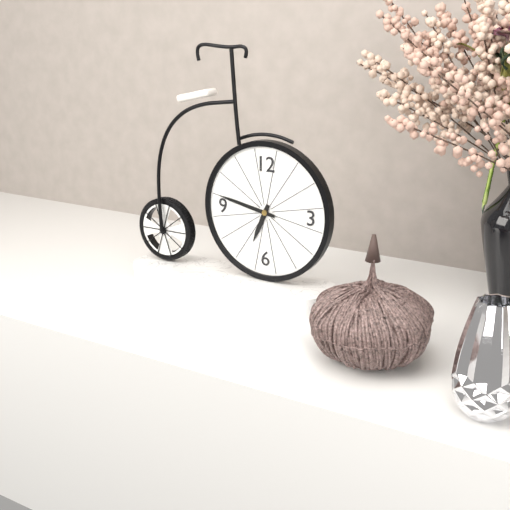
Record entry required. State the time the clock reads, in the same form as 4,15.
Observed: 6,47
